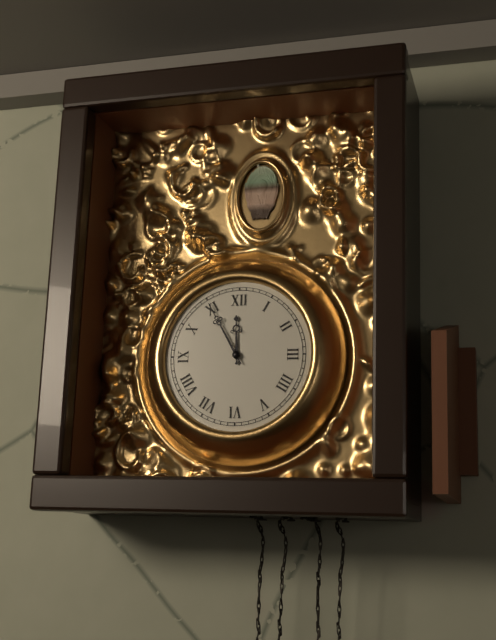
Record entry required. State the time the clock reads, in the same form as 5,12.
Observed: 11,55
